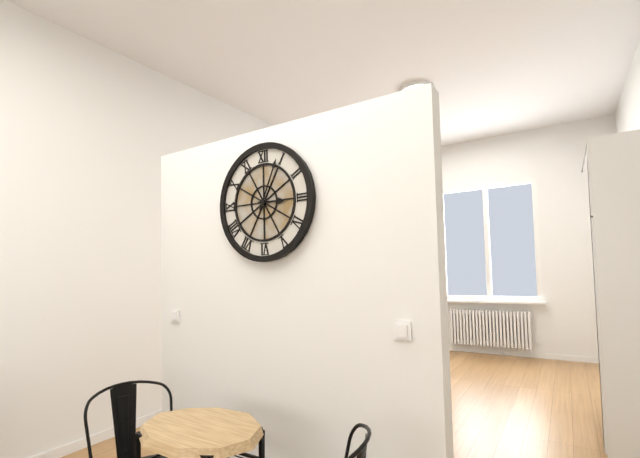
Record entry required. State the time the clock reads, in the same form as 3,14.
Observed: 3,04
